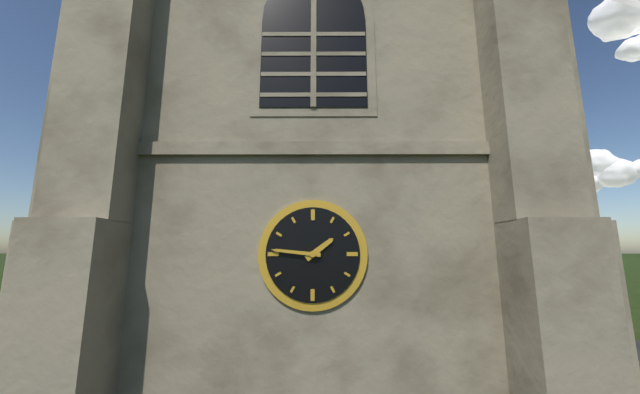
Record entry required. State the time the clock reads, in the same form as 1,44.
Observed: 1,46
